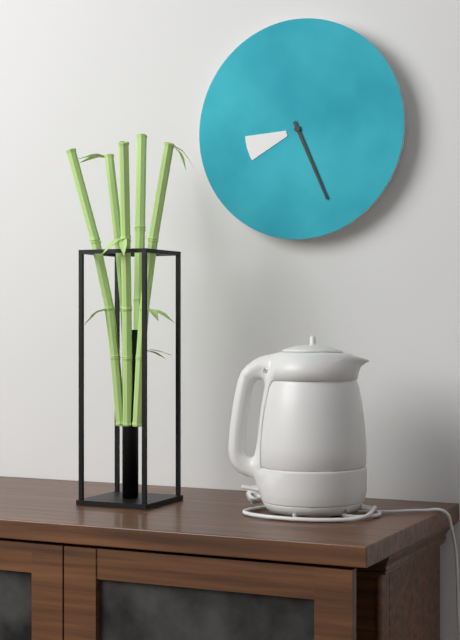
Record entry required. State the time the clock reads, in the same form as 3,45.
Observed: 8,26
